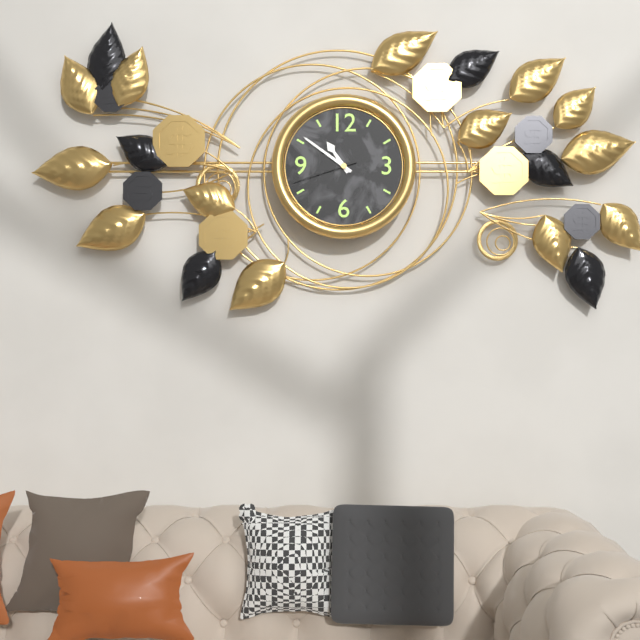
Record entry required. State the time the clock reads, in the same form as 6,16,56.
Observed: 10,51,42
